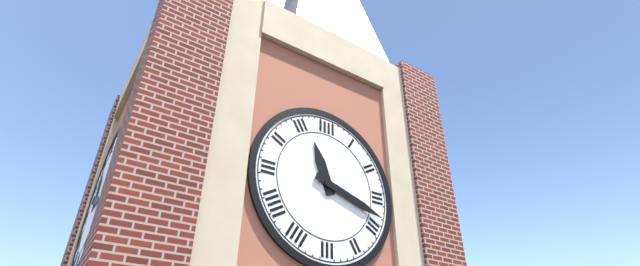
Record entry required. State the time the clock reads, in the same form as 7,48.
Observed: 11,18
